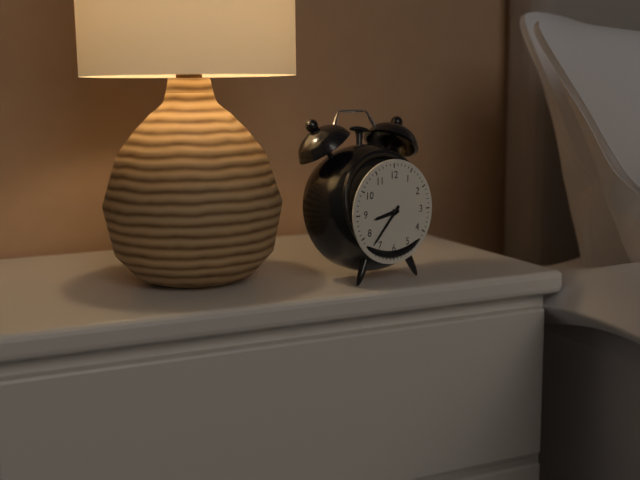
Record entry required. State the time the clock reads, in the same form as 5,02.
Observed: 8,37
